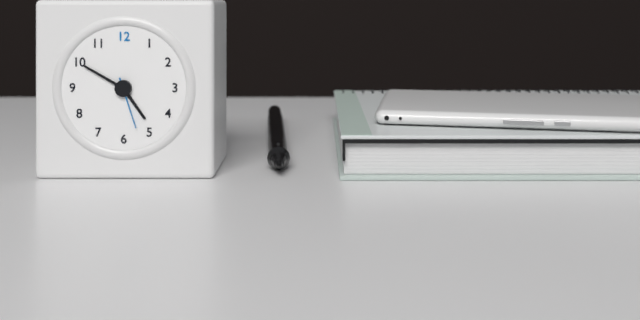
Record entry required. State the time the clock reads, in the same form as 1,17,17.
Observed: 4,50,27
